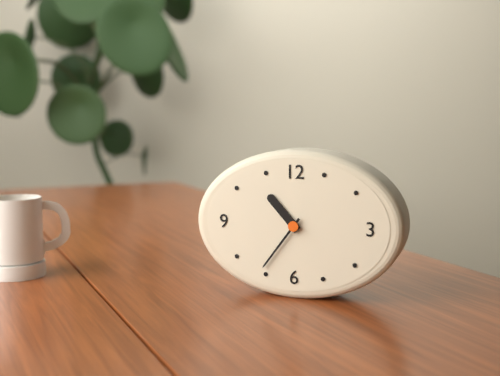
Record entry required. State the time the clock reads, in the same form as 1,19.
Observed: 10,36
